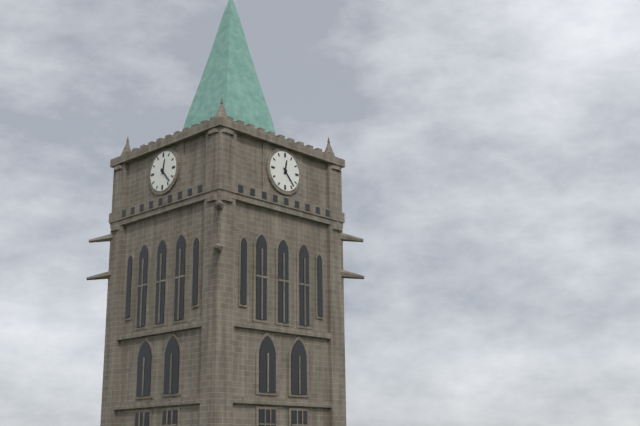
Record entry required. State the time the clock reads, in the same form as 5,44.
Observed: 12,23
